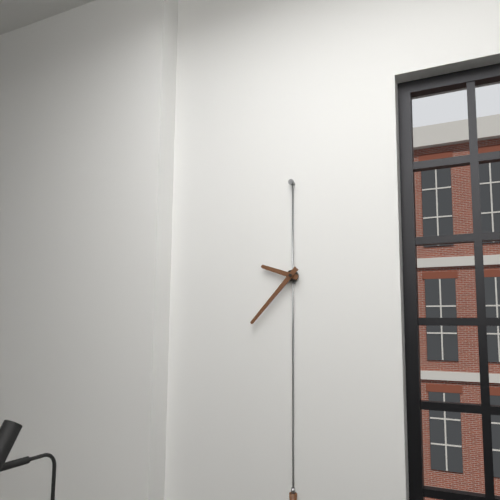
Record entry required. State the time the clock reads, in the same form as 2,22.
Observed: 9,37
